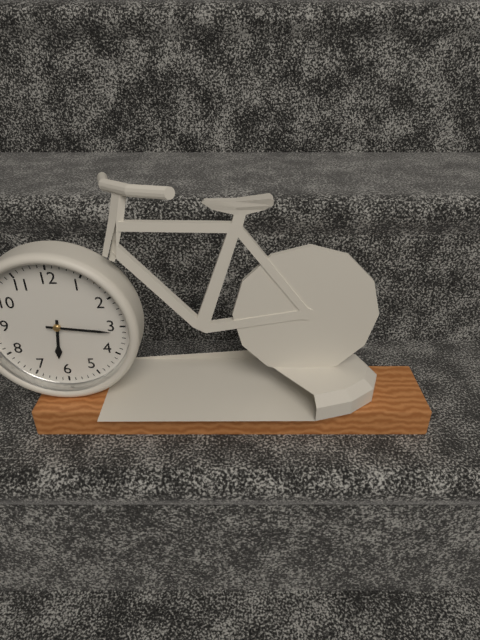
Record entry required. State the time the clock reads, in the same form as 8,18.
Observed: 6,16
